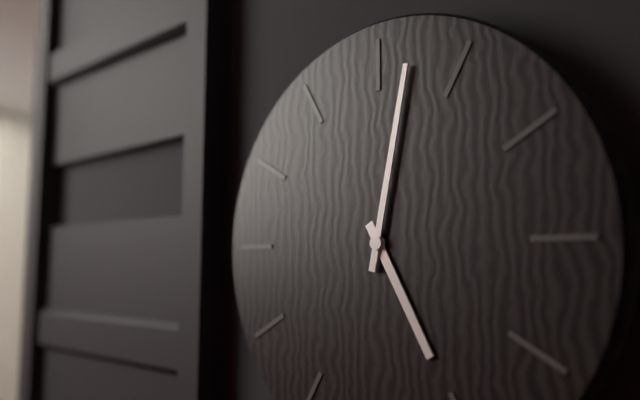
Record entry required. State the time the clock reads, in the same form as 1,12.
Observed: 5,02
